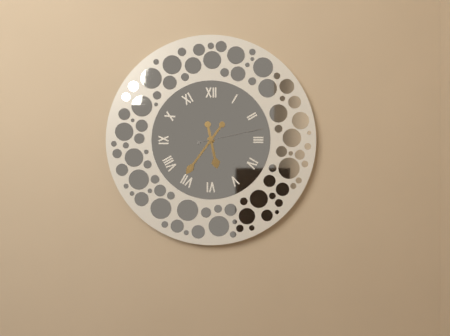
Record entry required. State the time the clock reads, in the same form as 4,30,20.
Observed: 5,36,13
